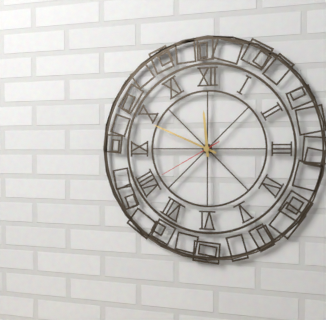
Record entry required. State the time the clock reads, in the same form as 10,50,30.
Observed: 11,49,40
